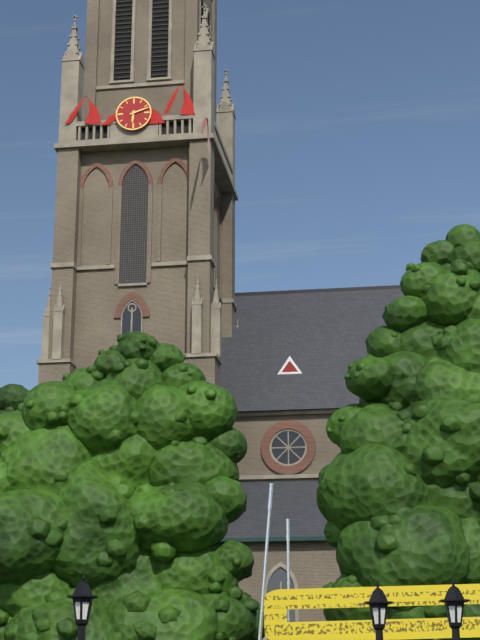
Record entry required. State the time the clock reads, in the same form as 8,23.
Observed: 6,12
